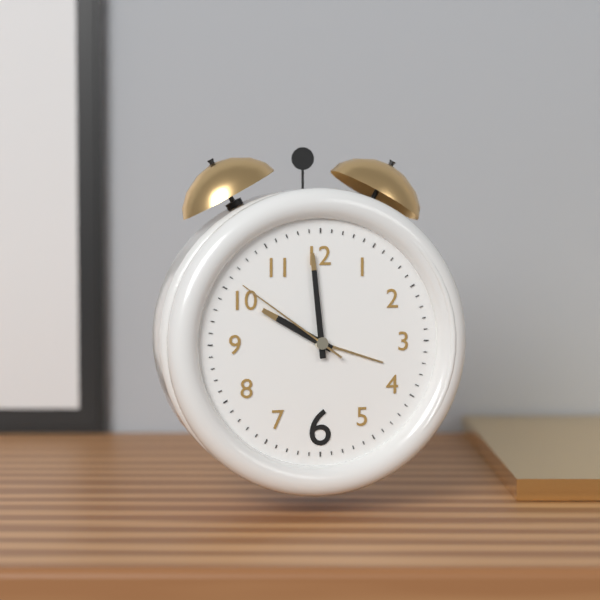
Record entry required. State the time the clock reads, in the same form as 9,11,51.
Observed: 9,59,51
